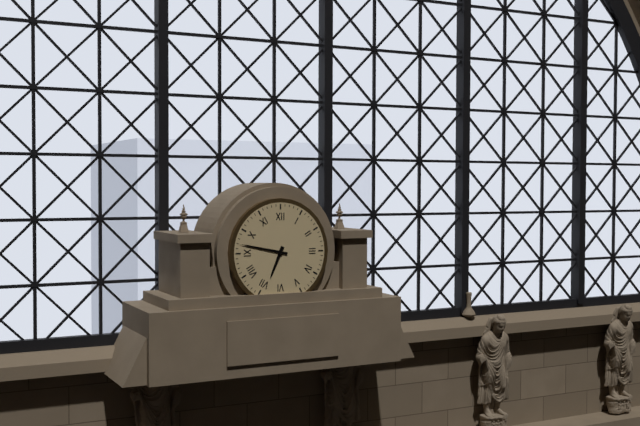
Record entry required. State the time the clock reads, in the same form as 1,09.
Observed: 6,47
